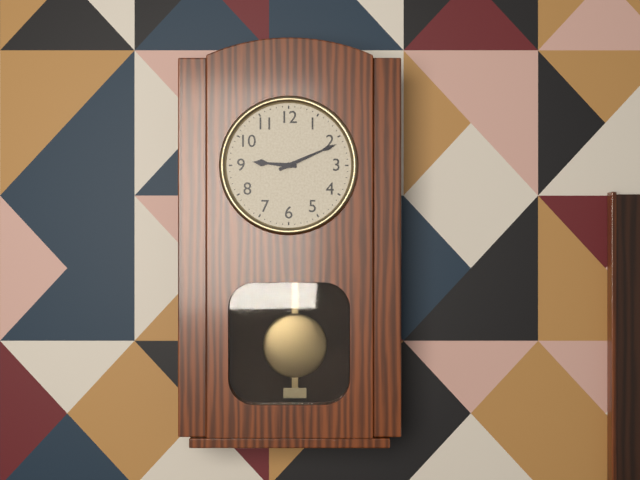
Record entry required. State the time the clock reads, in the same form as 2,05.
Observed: 9,11
